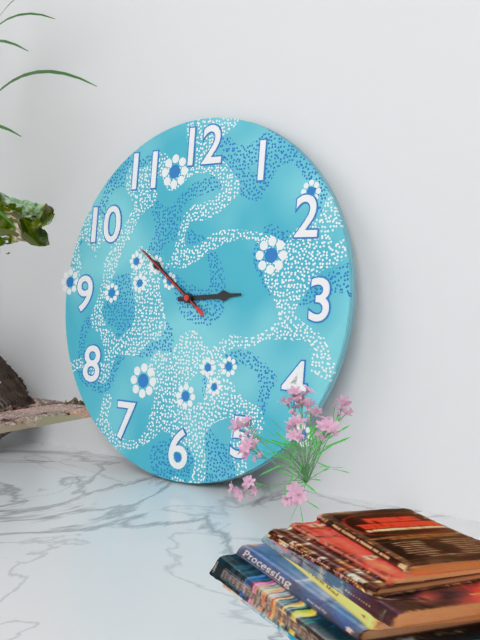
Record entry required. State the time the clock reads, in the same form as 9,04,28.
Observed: 2,51,51
